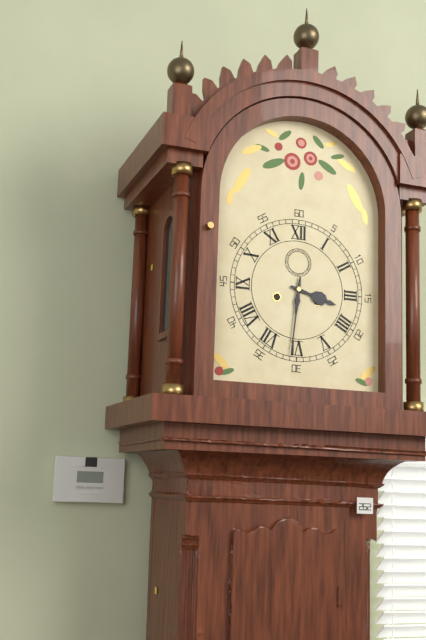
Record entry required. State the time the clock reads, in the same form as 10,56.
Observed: 3,31
